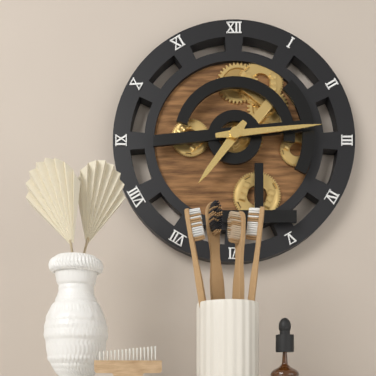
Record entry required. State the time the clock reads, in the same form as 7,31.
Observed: 7,14
